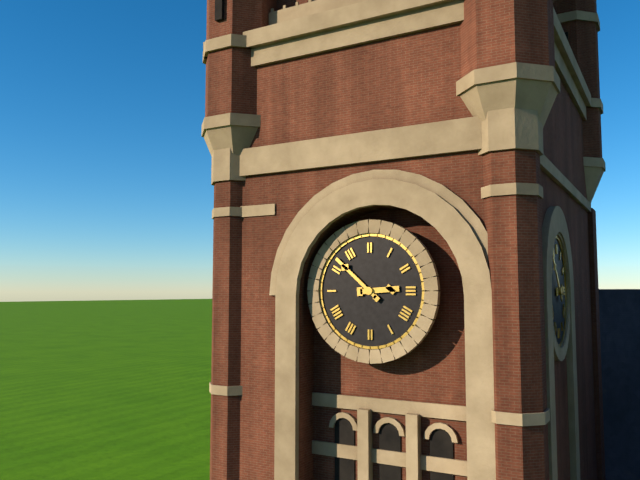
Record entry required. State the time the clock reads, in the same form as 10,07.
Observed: 2,52
